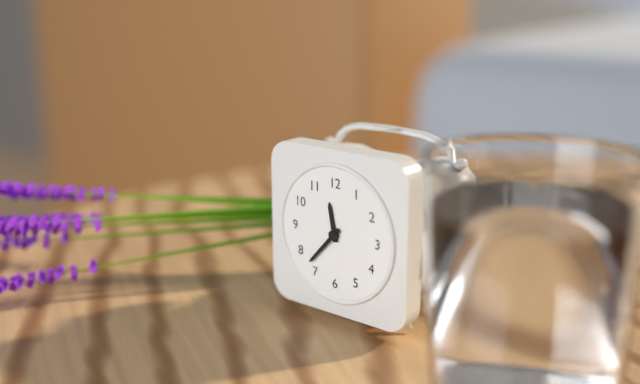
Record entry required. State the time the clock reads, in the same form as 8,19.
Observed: 11,37
